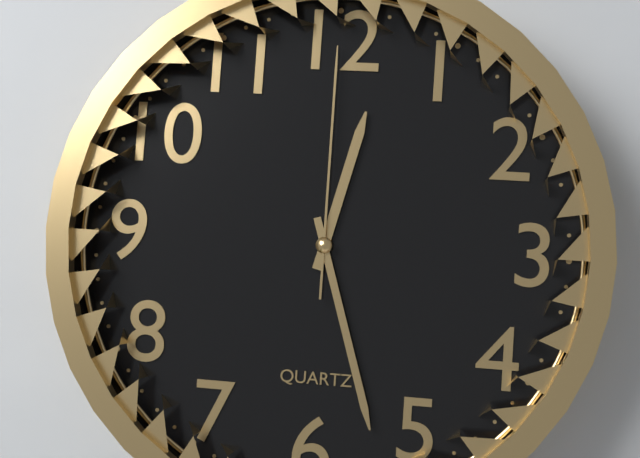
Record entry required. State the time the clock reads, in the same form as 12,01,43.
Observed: 12,27,00
